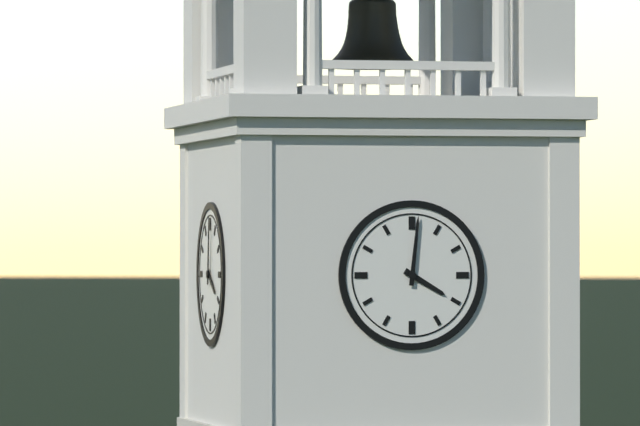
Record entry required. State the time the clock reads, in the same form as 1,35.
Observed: 4,01
